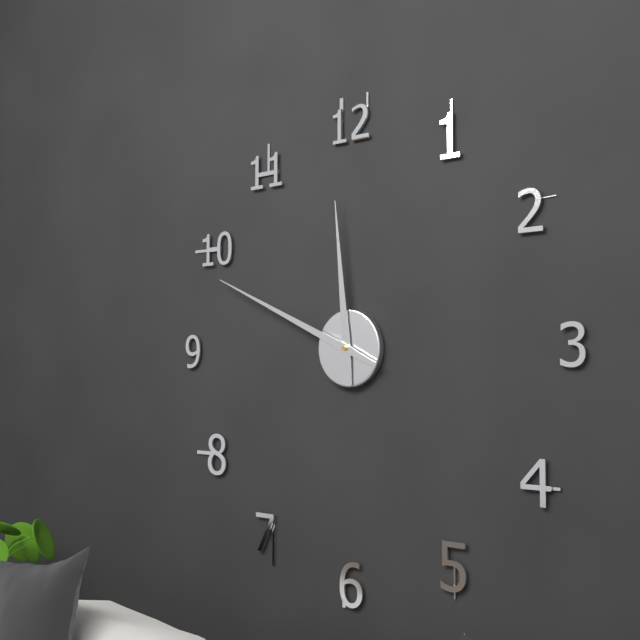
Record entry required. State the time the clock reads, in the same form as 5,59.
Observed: 11,49
